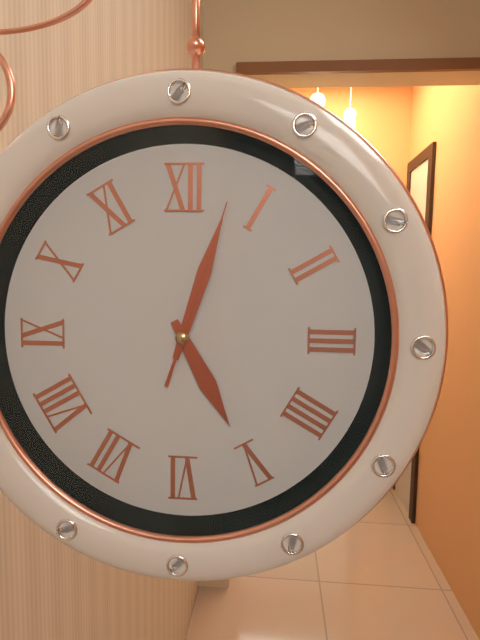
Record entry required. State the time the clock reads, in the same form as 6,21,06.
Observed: 5,03,03
